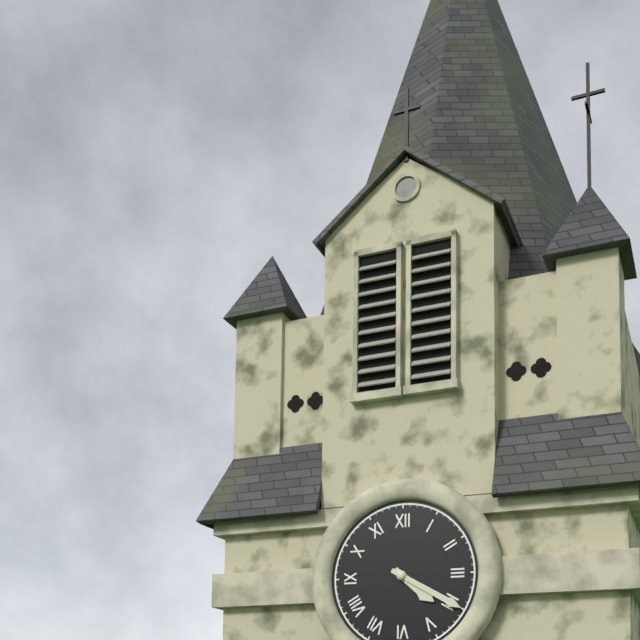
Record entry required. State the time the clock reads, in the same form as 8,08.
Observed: 4,20
